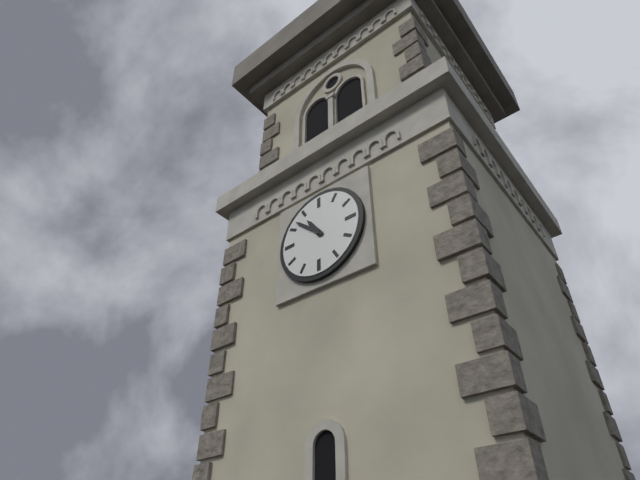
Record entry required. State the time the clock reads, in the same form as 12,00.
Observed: 10,52
